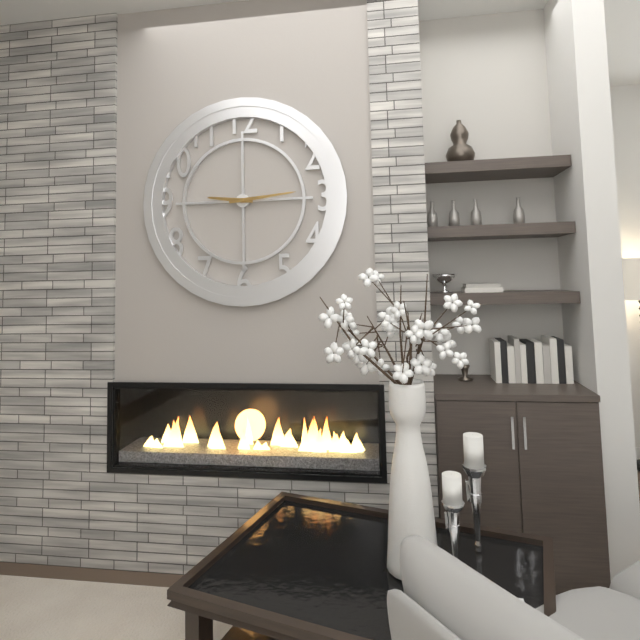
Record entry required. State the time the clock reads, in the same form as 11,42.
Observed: 9,14
